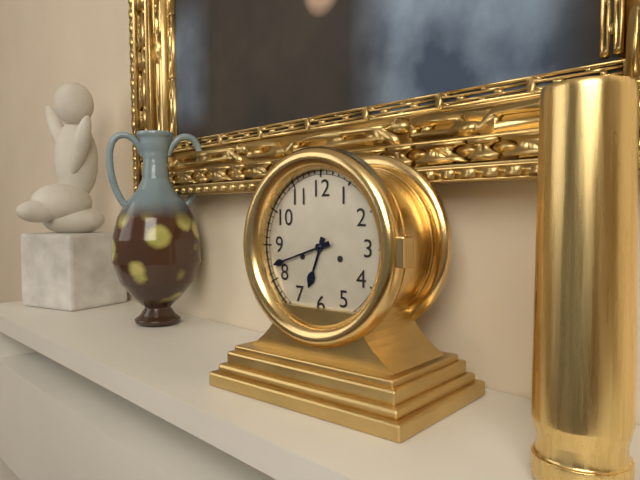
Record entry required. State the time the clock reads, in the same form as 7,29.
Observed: 6,42
